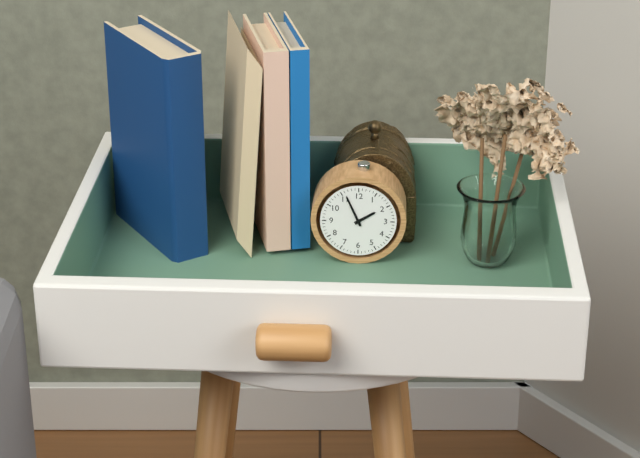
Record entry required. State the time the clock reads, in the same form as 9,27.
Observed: 1,56
